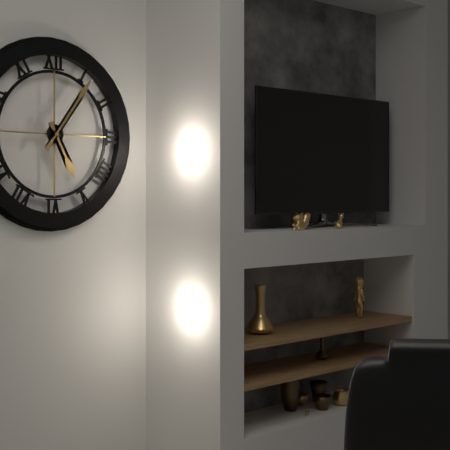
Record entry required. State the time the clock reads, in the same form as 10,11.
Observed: 5,06
